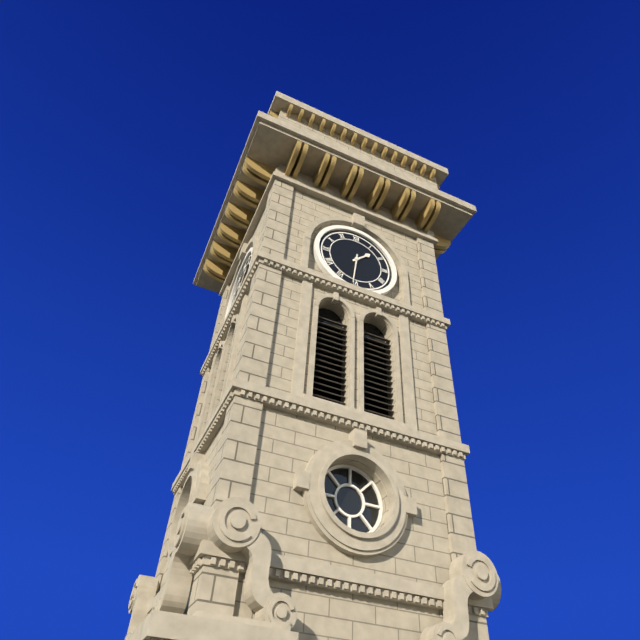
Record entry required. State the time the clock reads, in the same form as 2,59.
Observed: 1,31
